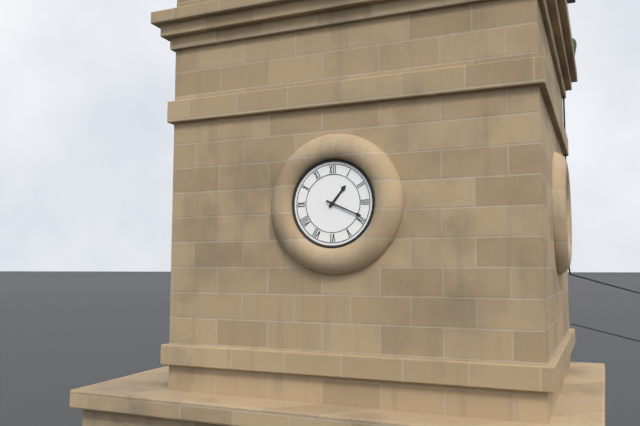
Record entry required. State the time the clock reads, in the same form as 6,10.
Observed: 1,19
